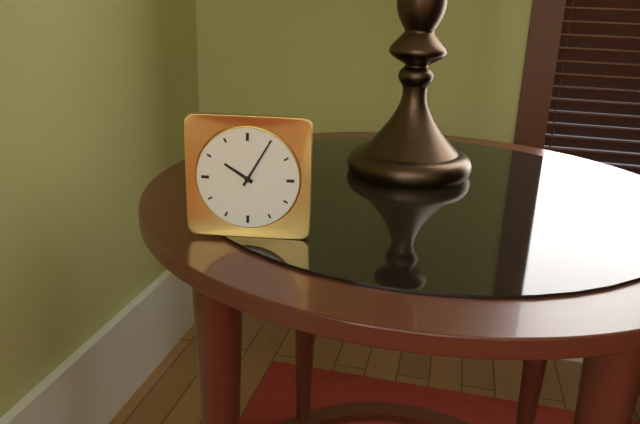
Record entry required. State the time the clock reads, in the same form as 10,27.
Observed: 10,05
